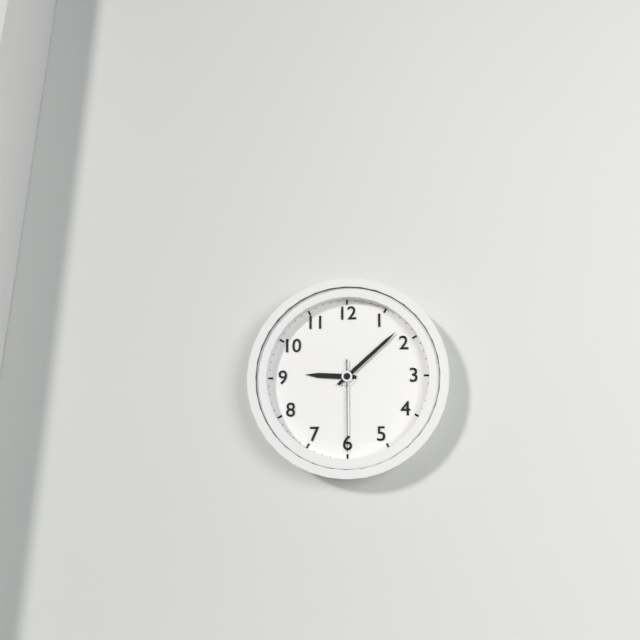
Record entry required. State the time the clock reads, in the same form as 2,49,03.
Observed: 9,08,30
